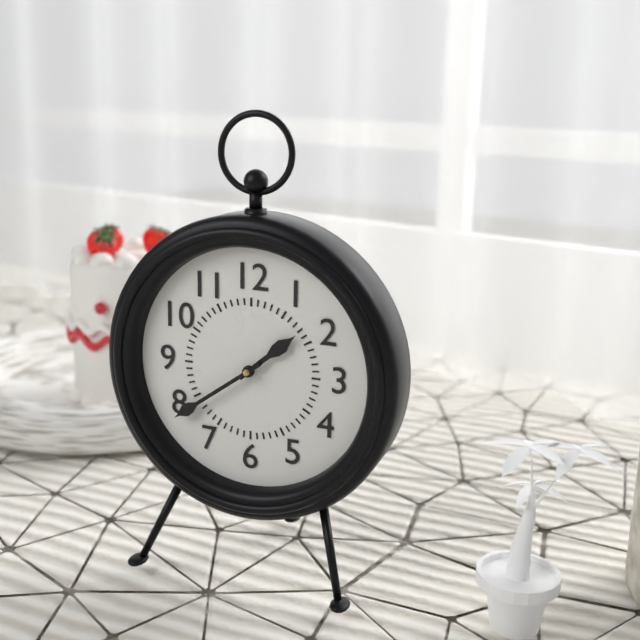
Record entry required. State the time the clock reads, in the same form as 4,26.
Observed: 1,39
